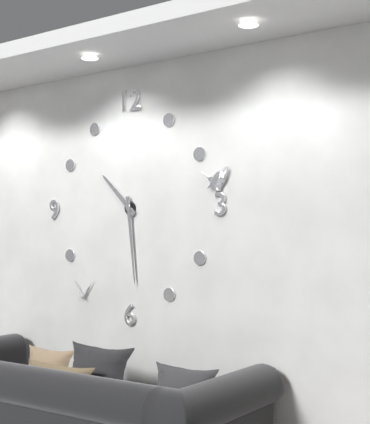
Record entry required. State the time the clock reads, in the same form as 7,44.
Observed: 10,29
